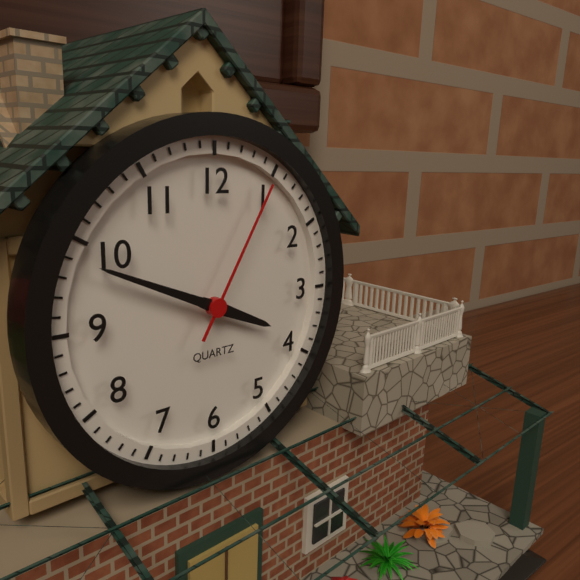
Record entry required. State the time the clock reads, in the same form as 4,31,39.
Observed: 3,49,05
